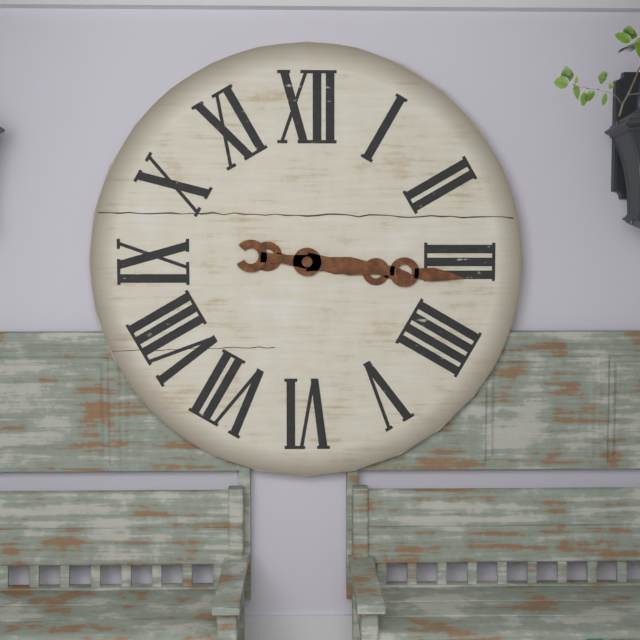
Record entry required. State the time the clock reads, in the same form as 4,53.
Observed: 3,16
